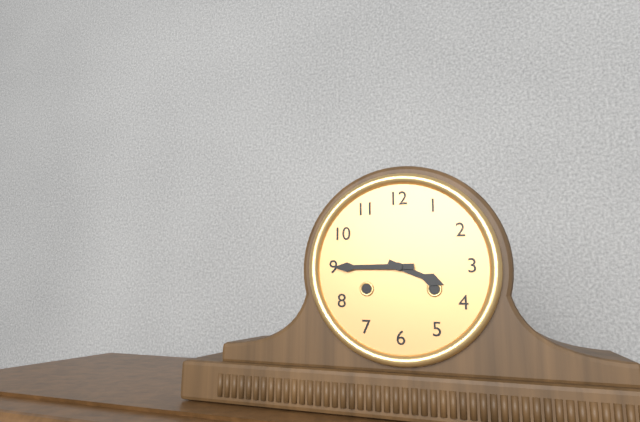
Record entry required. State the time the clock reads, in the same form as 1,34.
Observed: 3,45
